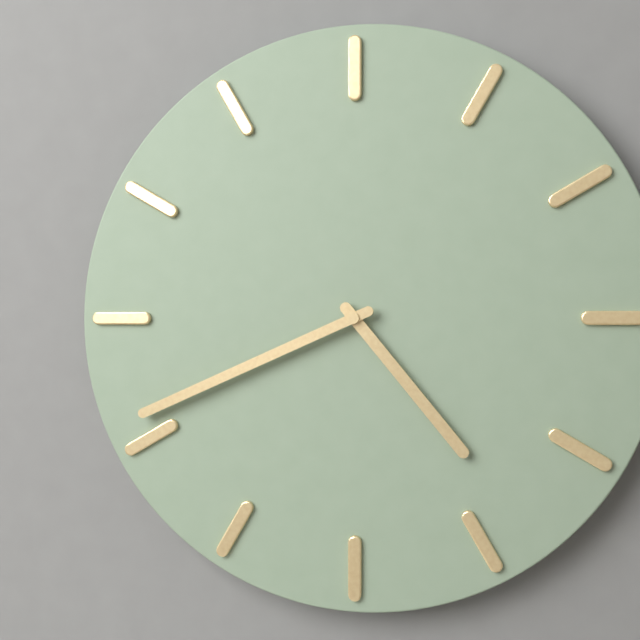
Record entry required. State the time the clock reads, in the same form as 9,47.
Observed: 4,41
